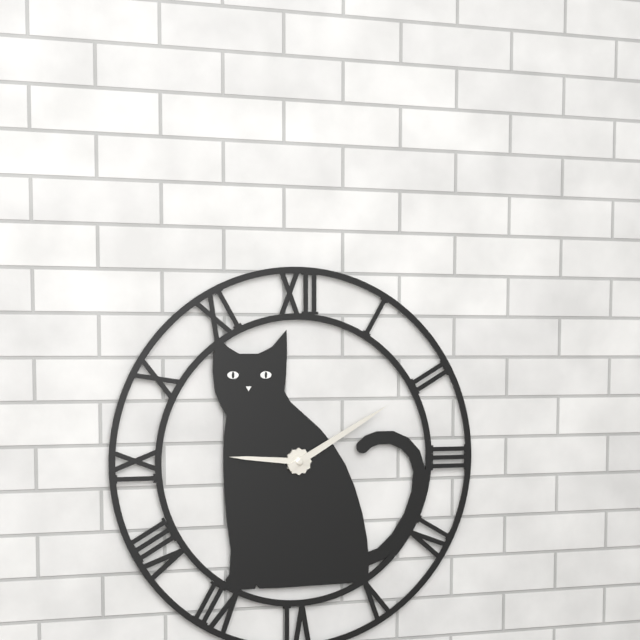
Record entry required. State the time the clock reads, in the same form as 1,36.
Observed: 9,10
